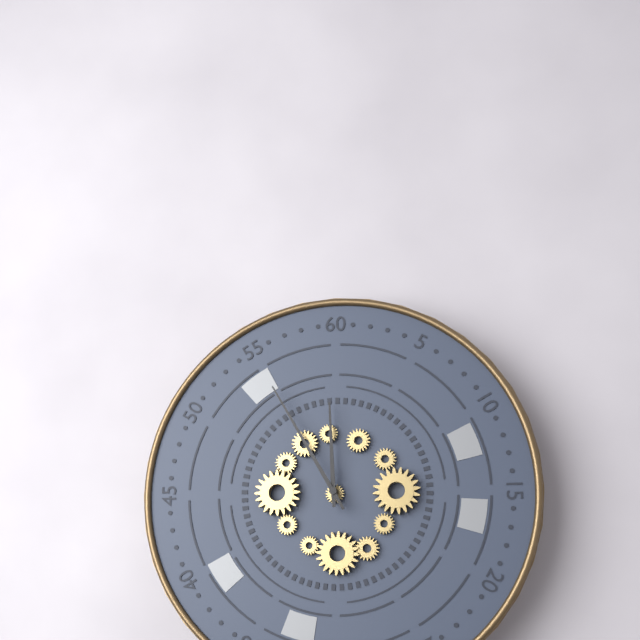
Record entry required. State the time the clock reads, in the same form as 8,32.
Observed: 11,55
